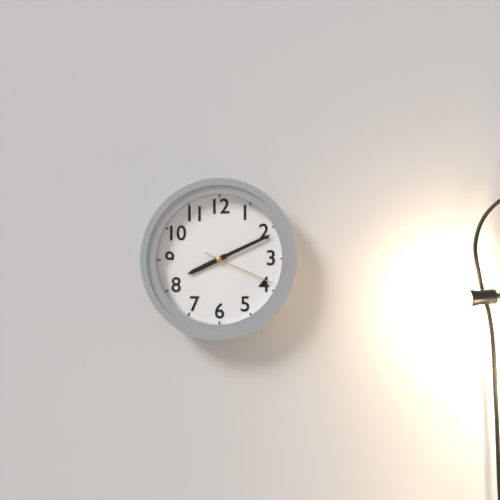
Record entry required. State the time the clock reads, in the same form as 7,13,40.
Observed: 8,11,19
